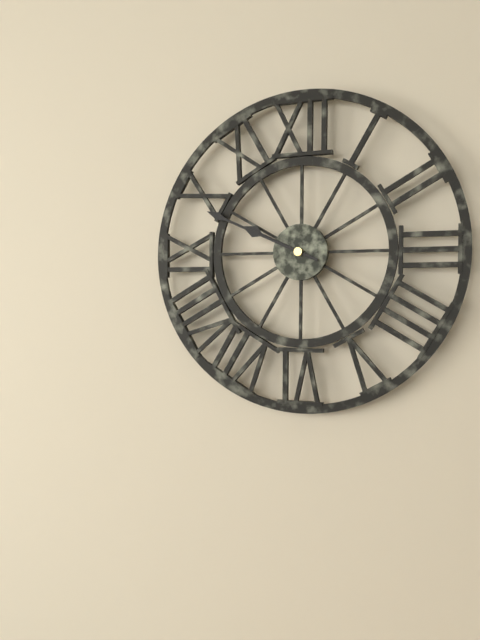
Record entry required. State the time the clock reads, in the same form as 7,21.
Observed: 9,49
